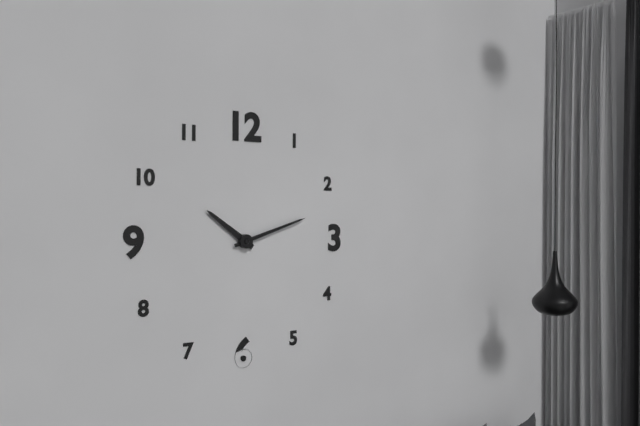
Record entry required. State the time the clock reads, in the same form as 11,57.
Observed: 10,12
